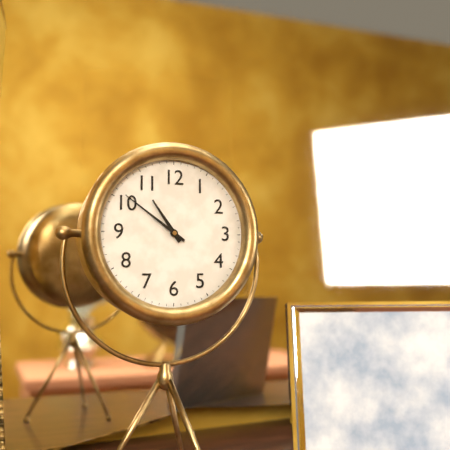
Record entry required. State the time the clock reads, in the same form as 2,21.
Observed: 10,51
